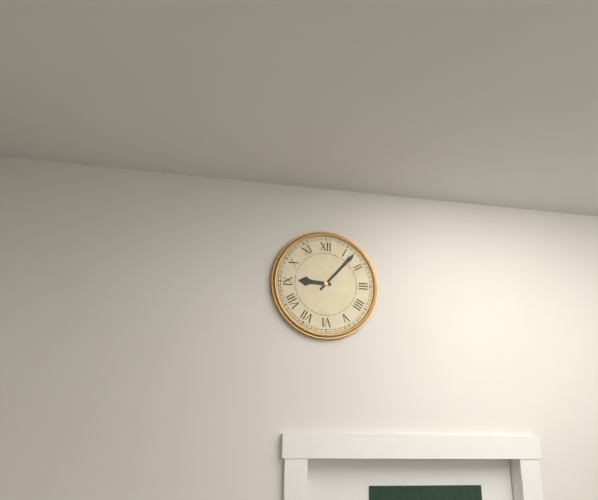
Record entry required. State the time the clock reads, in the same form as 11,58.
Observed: 9,07
